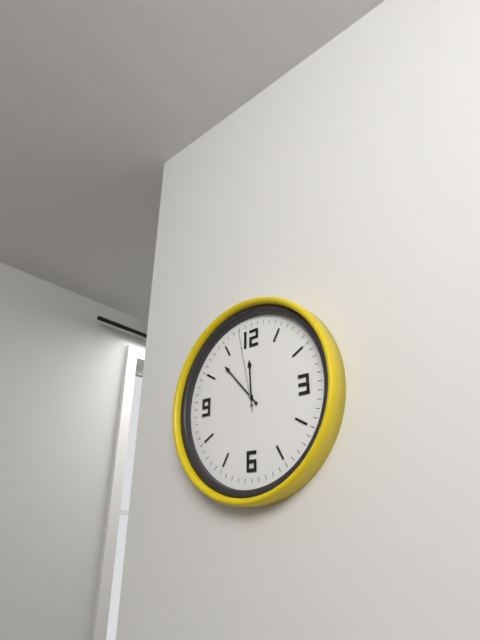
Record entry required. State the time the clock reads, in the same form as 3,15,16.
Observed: 11,53,58
